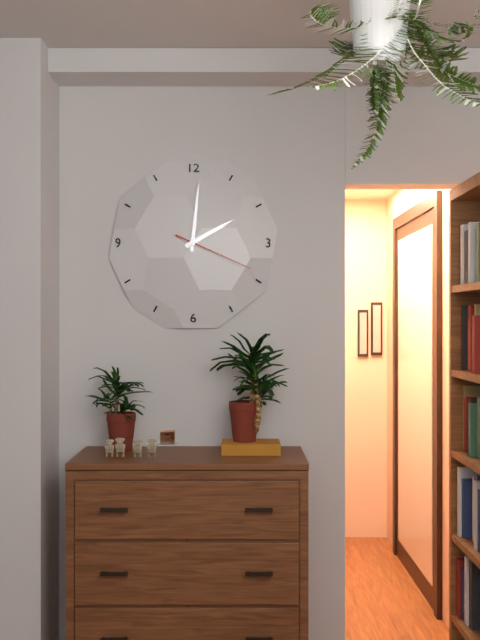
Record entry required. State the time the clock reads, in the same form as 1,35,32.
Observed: 2,01,19
